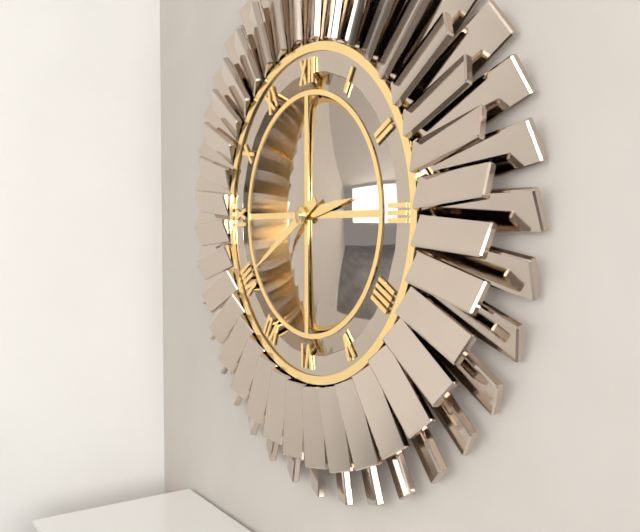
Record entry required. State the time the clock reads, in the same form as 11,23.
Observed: 2,40
